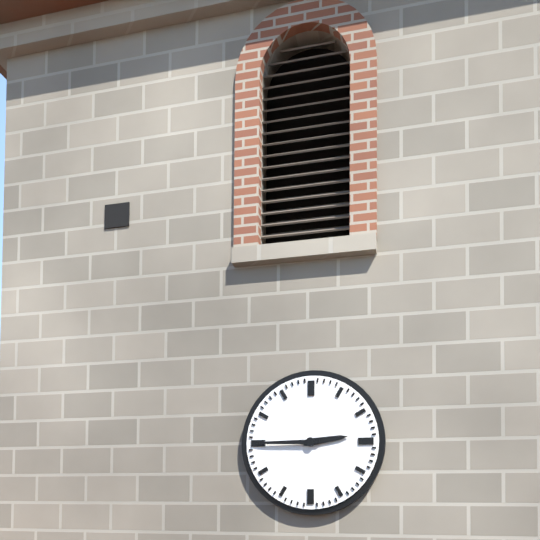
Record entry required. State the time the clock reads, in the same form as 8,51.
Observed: 2,45
